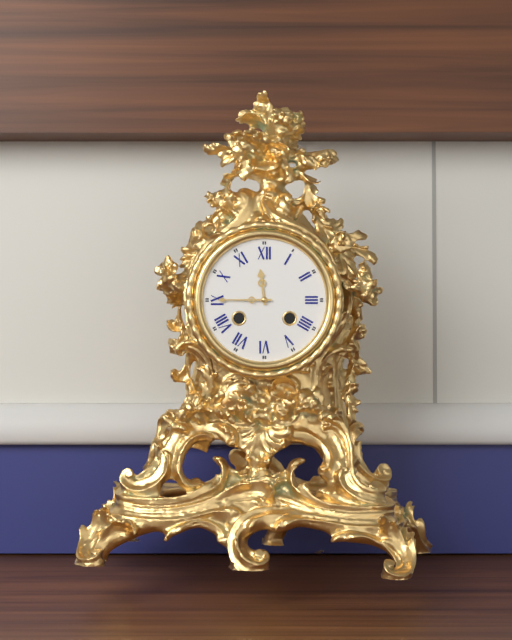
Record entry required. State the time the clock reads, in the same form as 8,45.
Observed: 11,45
